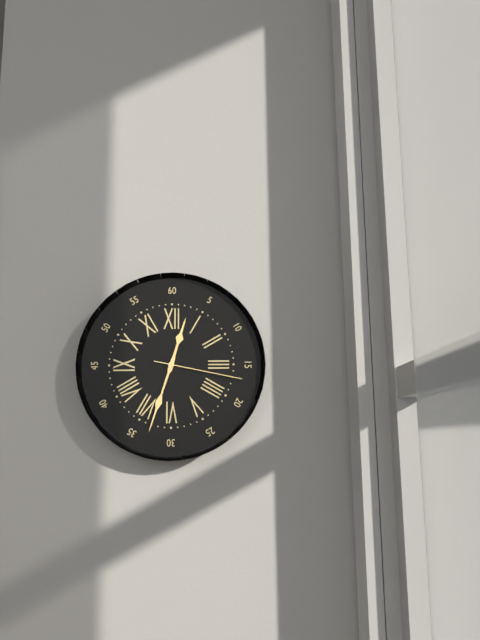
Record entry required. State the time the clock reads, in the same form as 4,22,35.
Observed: 12,33,17
